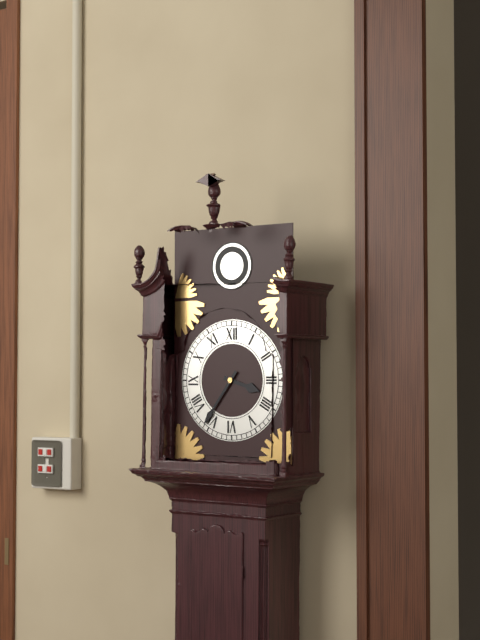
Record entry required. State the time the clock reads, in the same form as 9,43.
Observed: 3,36
